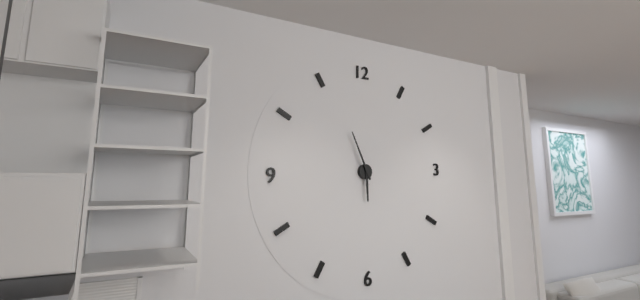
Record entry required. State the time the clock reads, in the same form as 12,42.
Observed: 5,56
